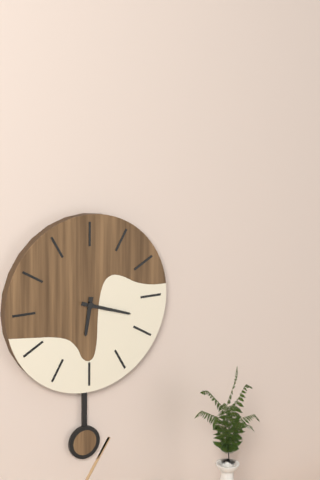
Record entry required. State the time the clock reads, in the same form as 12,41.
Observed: 6,18
